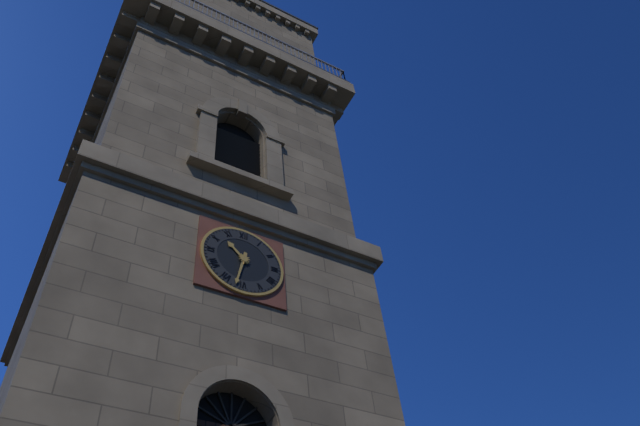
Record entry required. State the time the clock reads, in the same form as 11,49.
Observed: 10,32
